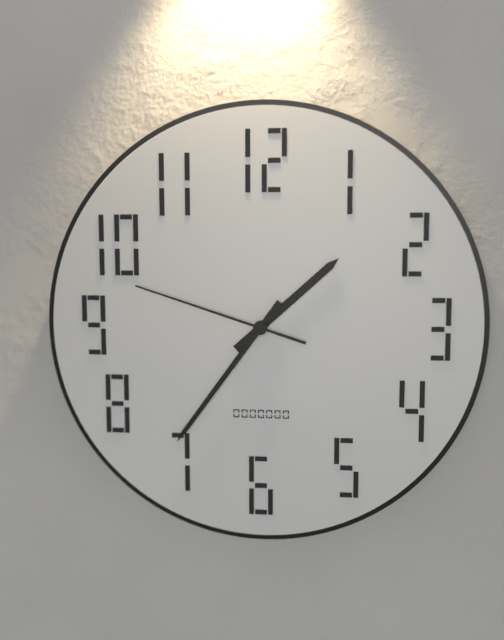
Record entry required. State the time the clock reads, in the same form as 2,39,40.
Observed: 1,36,48
